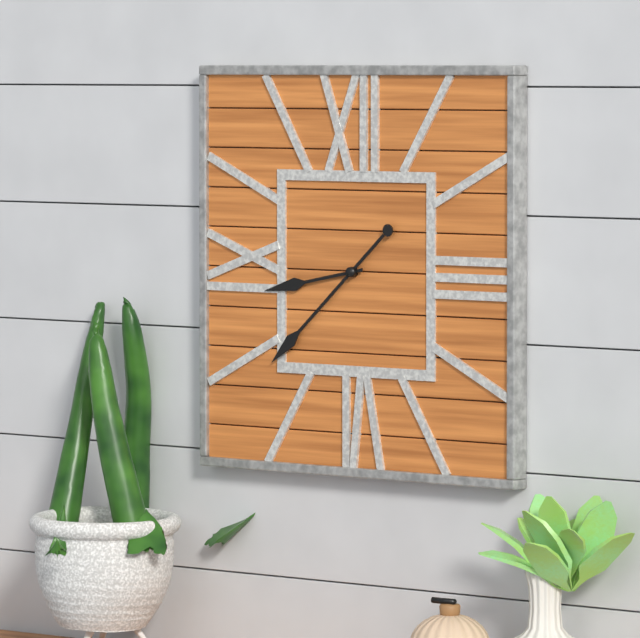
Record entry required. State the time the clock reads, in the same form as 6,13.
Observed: 8,38
